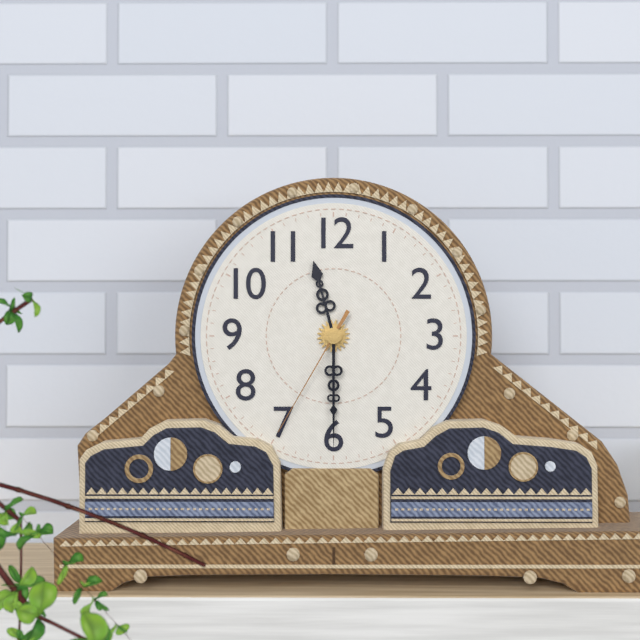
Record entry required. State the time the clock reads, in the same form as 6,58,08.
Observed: 11,30,35
